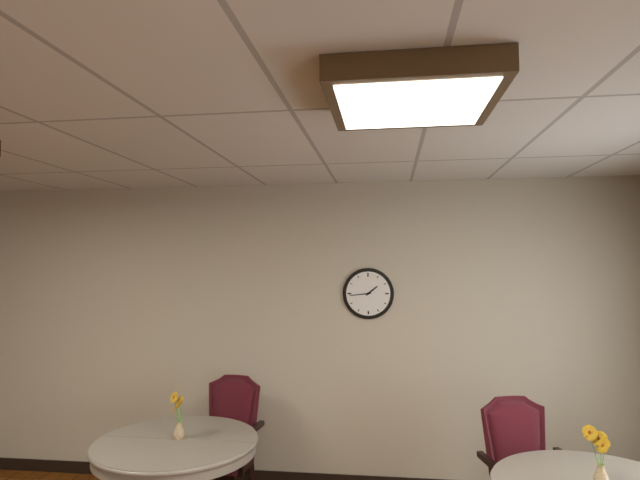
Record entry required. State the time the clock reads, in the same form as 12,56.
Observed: 1,44
